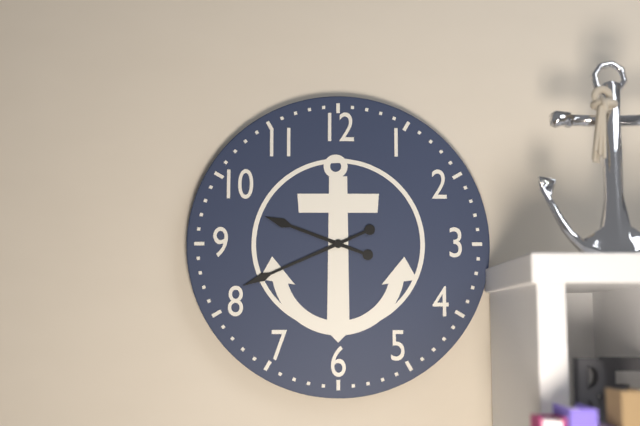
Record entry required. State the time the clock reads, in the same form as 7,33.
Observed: 9,41
